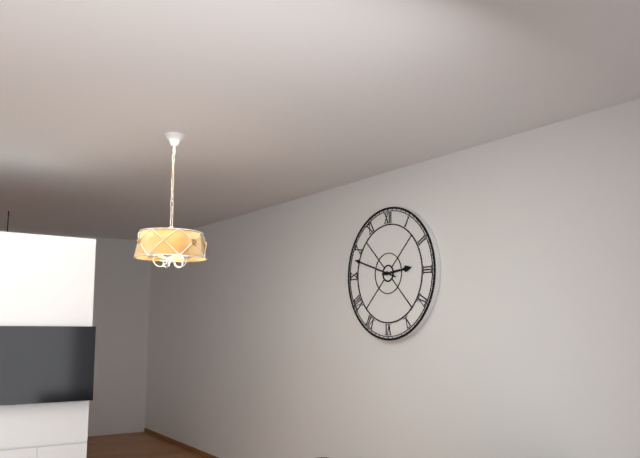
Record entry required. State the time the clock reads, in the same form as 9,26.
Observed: 2,48
